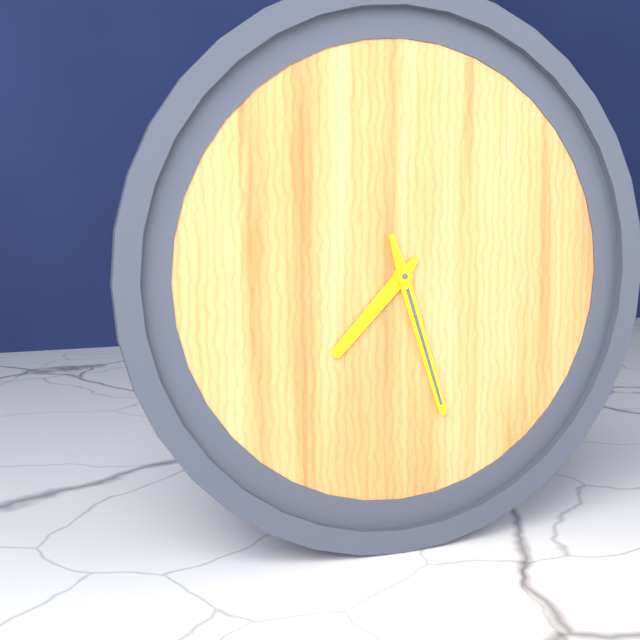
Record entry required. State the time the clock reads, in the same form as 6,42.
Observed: 7,27
